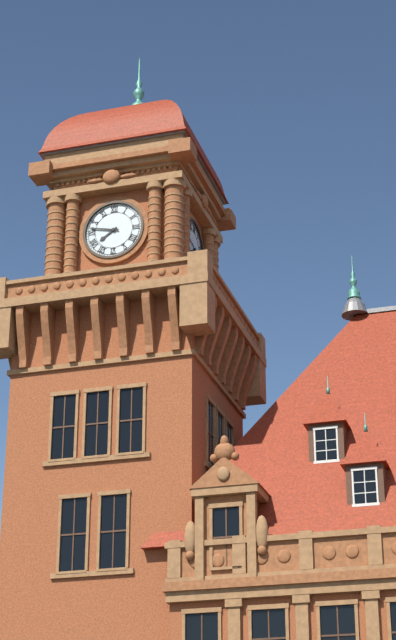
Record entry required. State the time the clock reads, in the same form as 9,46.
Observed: 7,47
